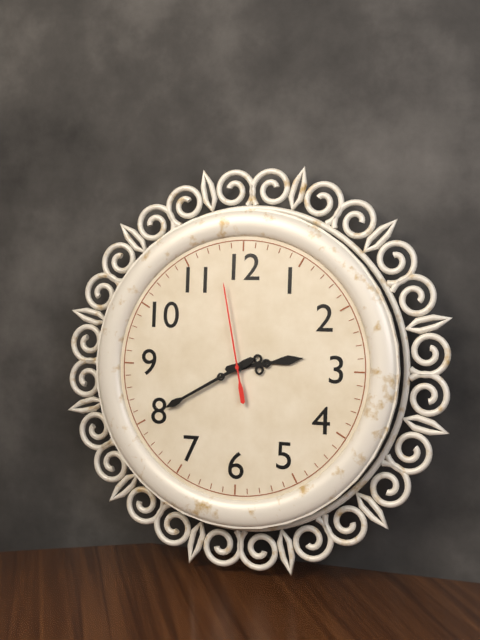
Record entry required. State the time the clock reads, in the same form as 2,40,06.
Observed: 2,40,58
